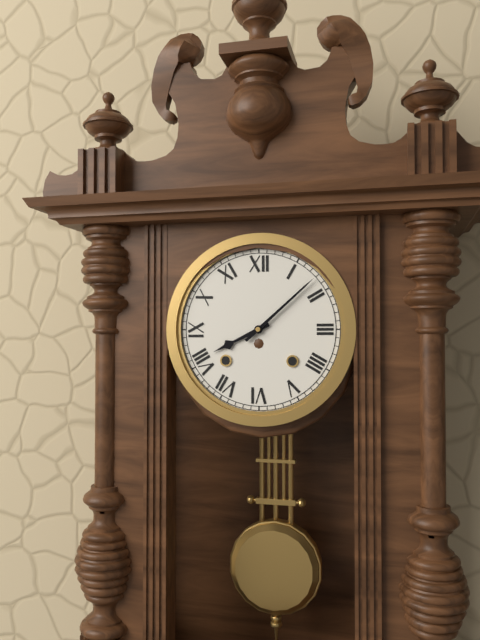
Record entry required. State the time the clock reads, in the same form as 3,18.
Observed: 8,08
